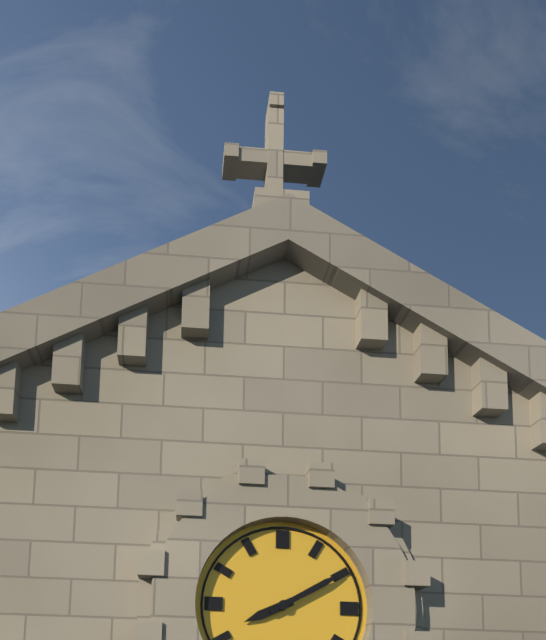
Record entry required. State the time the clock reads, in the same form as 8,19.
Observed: 8,10
